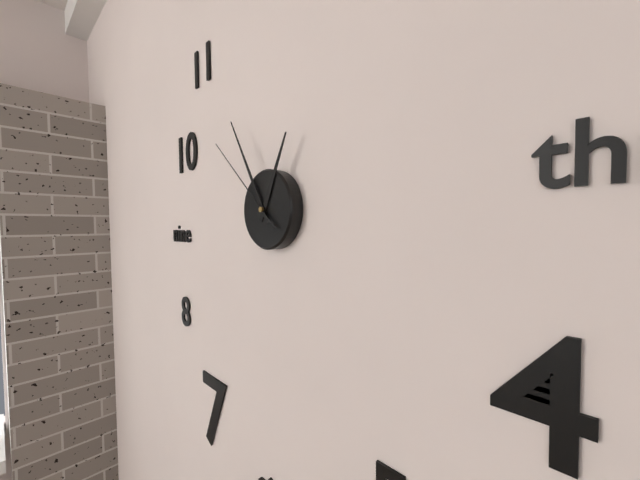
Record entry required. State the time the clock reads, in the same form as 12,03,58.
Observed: 12,55,52
